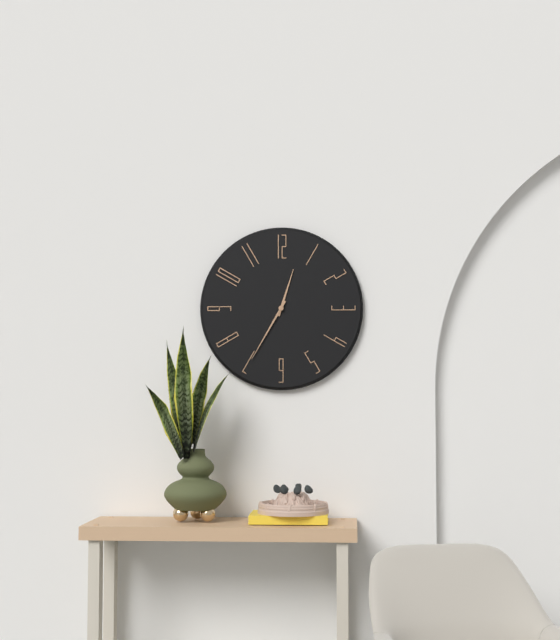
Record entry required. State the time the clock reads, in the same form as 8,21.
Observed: 12,35
